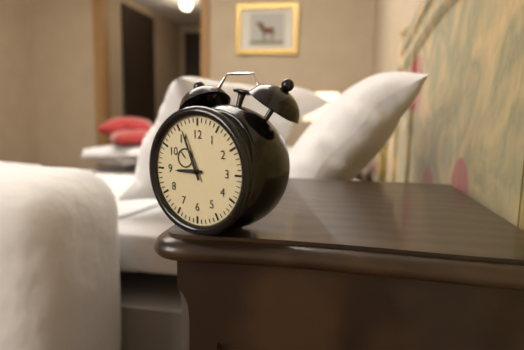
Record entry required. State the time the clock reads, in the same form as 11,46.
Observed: 8,56
